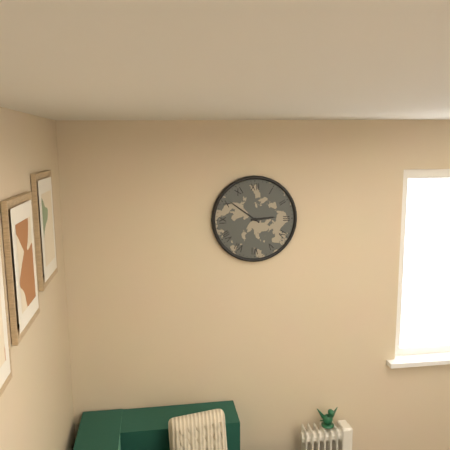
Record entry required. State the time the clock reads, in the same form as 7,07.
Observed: 2,51
